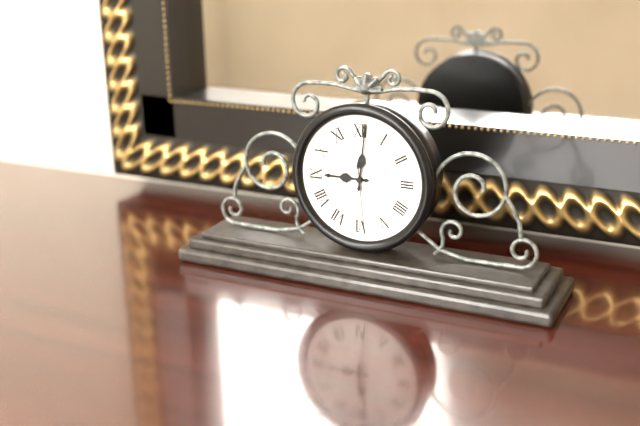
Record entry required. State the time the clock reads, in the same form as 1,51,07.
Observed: 9,01,29
